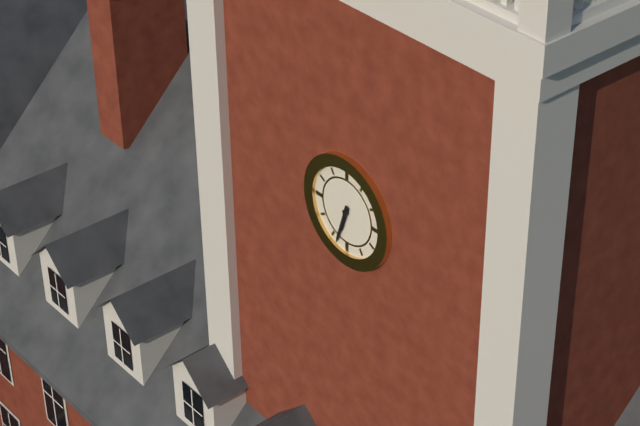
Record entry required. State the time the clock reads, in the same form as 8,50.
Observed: 6,33
